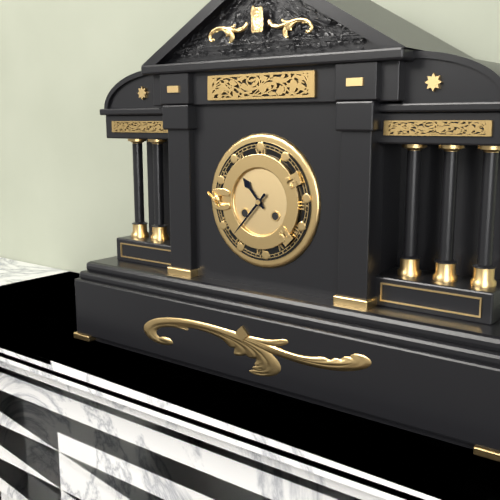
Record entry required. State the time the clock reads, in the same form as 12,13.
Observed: 10,37
